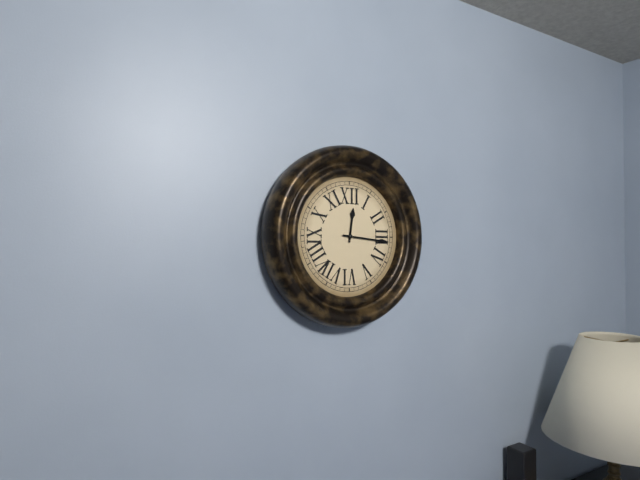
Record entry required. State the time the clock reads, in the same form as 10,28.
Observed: 12,16
